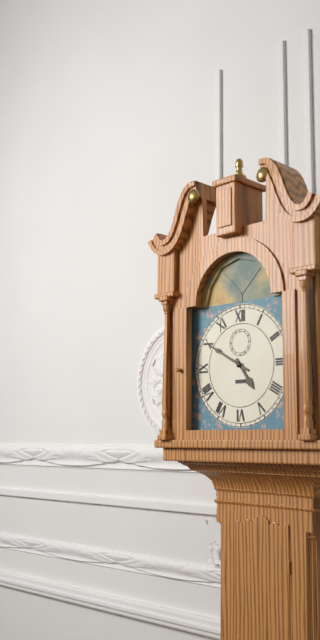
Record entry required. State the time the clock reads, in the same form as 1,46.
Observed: 4,50
